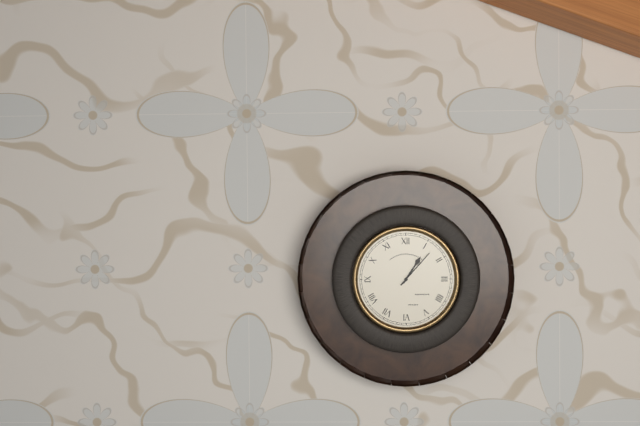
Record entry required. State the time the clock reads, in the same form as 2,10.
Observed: 1,07
